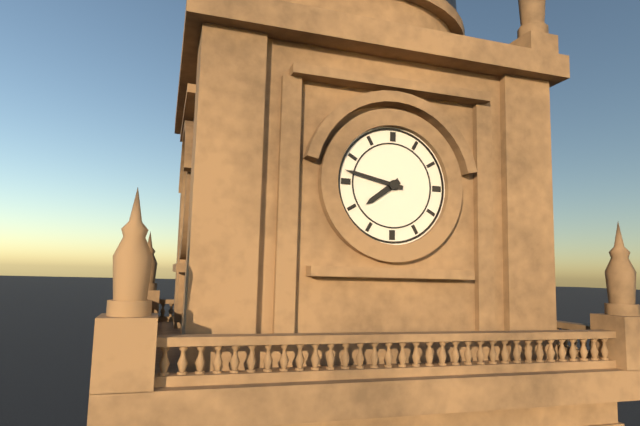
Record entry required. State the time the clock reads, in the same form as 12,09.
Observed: 7,47
